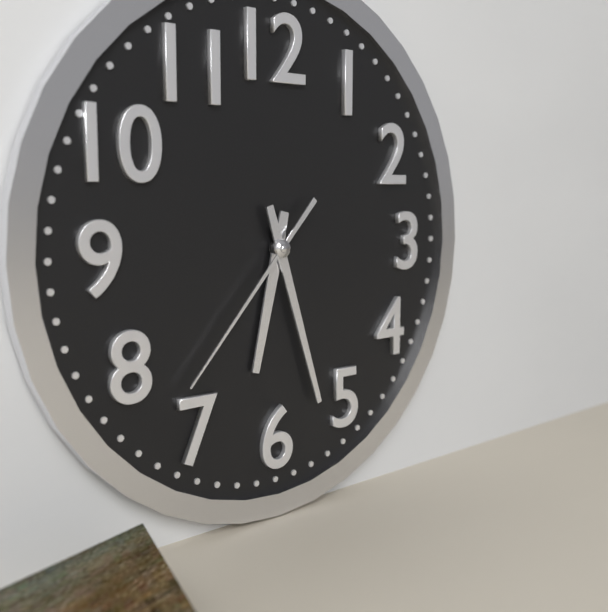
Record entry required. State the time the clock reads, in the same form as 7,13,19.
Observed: 6,27,37
